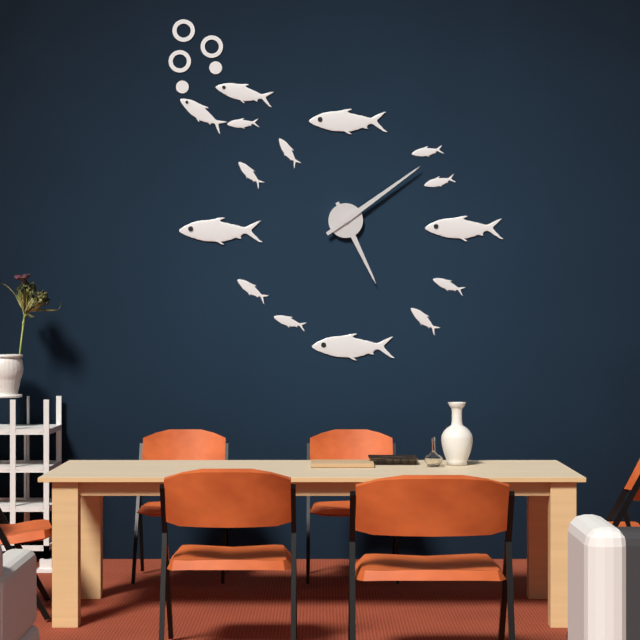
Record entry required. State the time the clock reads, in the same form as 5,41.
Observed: 5,09
